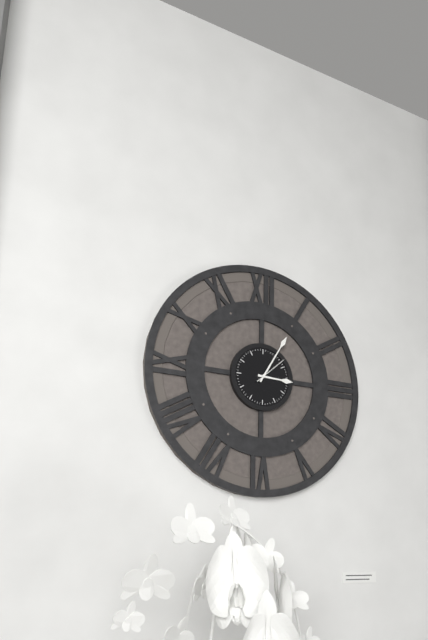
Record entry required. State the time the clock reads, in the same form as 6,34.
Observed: 3,05
